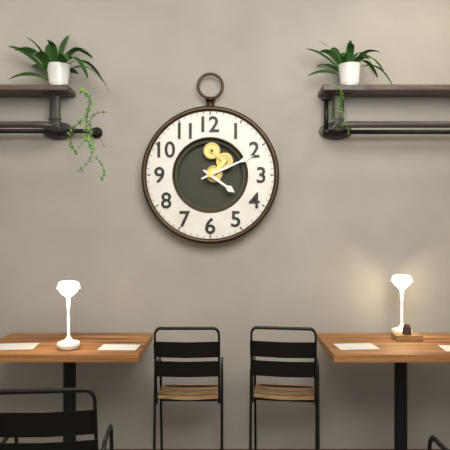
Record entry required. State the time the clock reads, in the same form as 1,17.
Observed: 4,11
